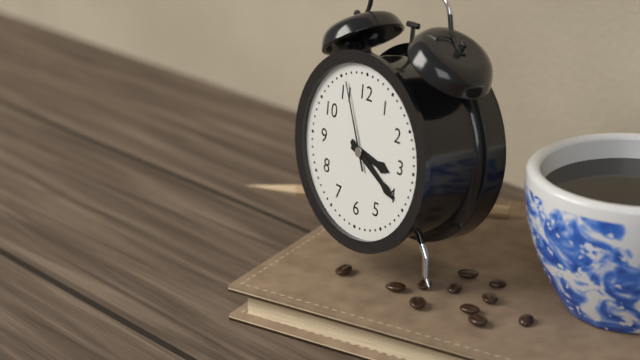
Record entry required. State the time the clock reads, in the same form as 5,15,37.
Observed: 3,20,56
